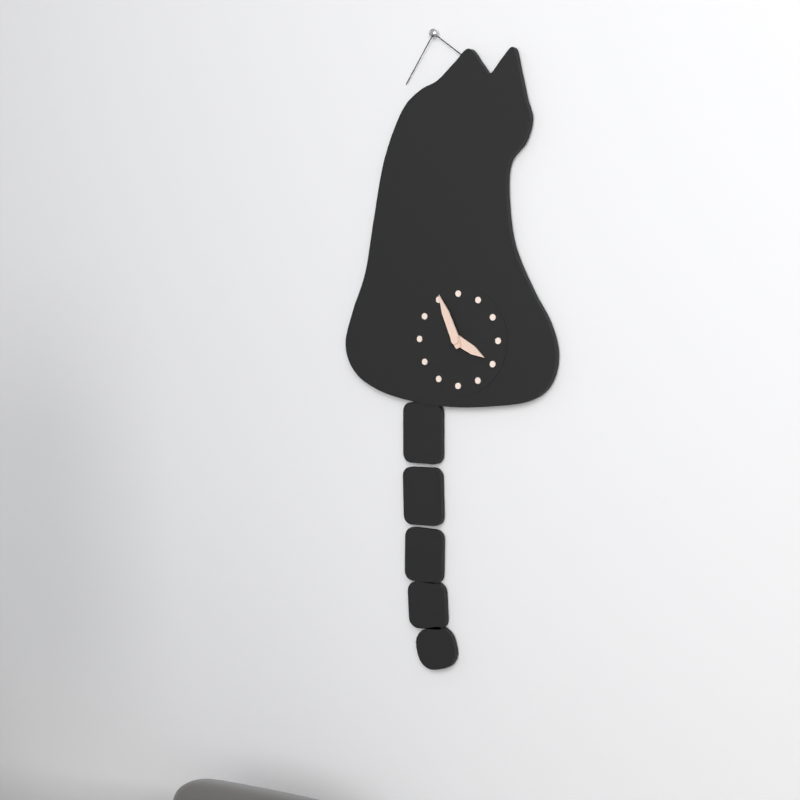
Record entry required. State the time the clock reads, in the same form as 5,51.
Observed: 3,56
